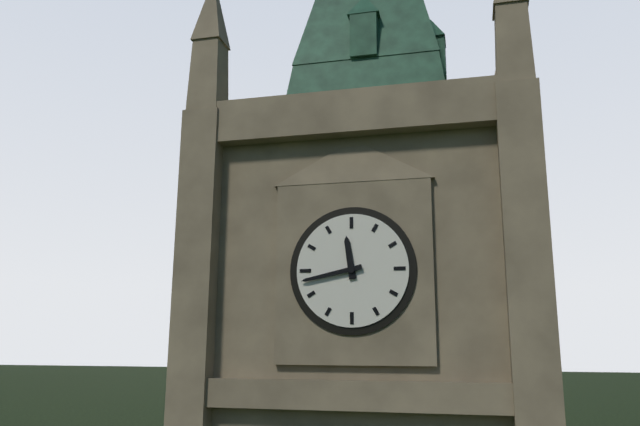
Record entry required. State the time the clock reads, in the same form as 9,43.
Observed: 11,43
